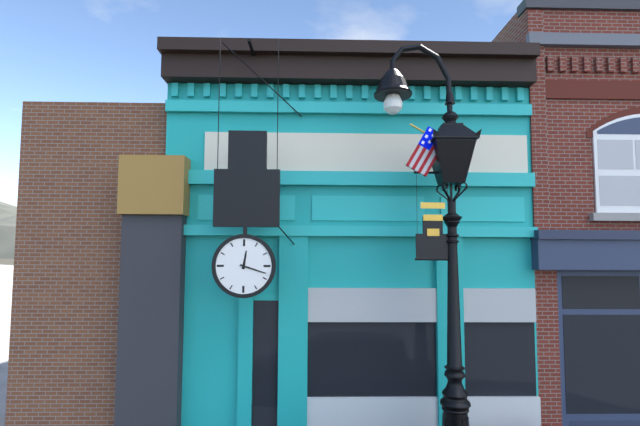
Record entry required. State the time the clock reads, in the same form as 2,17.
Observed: 12,18
